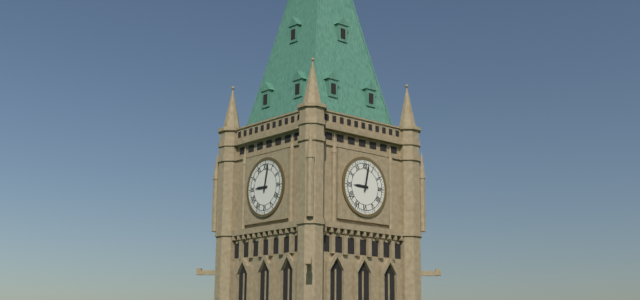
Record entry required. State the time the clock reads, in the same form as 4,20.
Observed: 9,02
